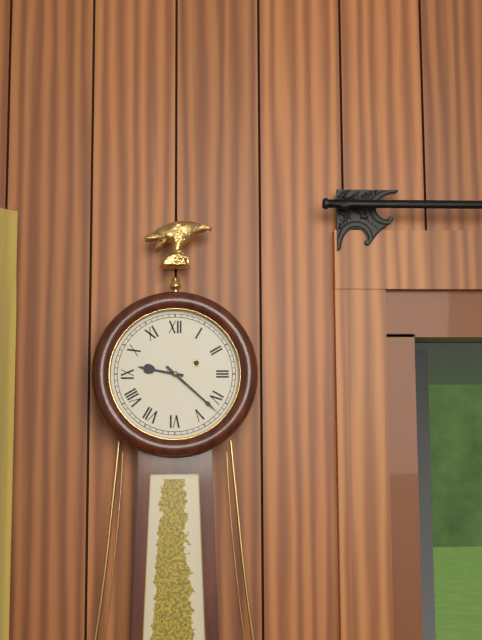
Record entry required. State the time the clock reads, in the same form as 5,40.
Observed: 9,22
